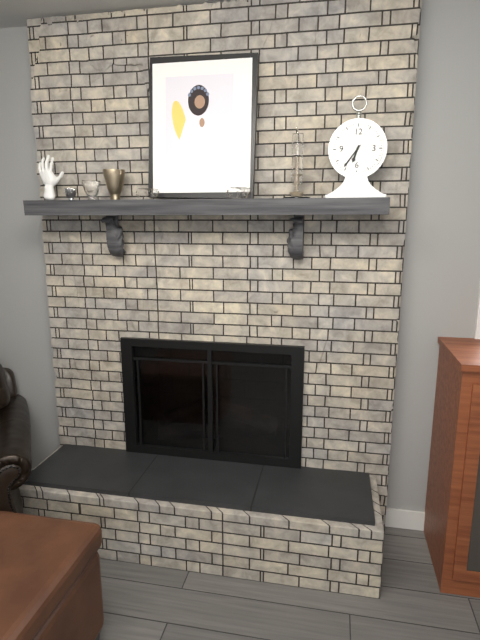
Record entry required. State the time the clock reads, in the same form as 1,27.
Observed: 6,36
